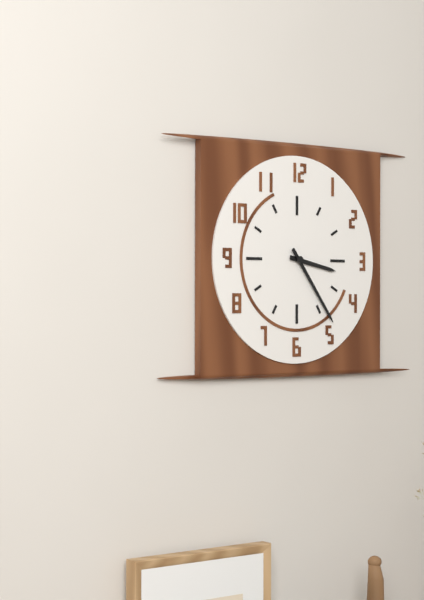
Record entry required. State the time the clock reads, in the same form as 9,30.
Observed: 3,24
